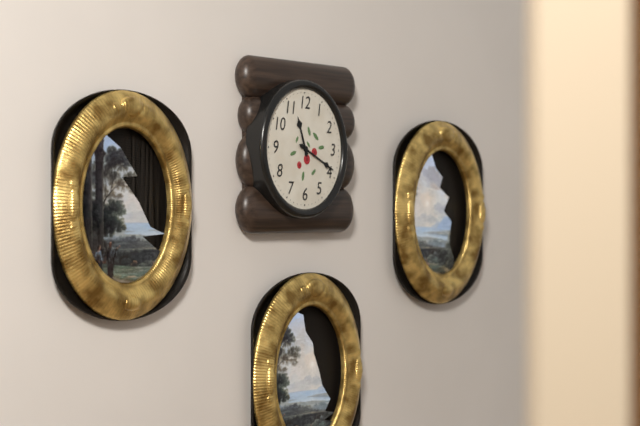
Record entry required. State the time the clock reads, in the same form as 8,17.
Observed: 11,19
